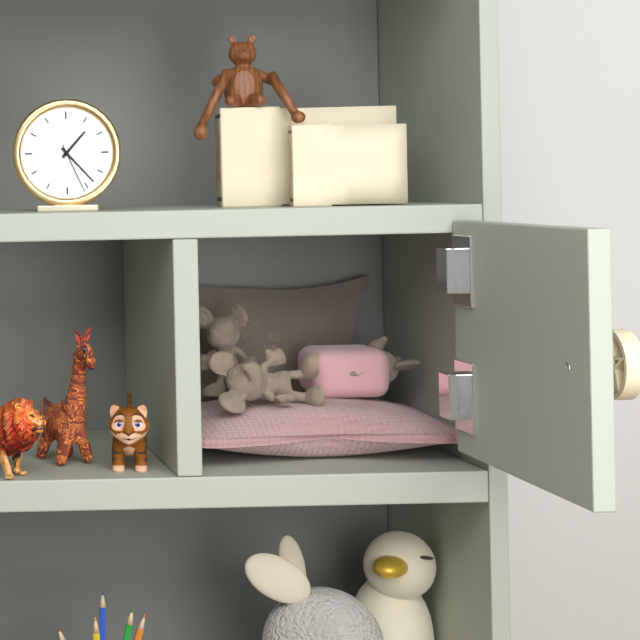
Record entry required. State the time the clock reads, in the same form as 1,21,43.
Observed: 1,23,26
